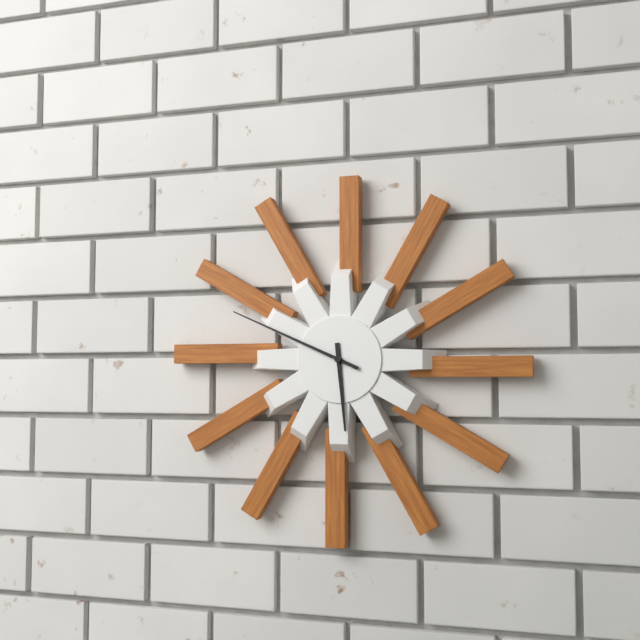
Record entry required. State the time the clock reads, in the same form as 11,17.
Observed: 5,49
